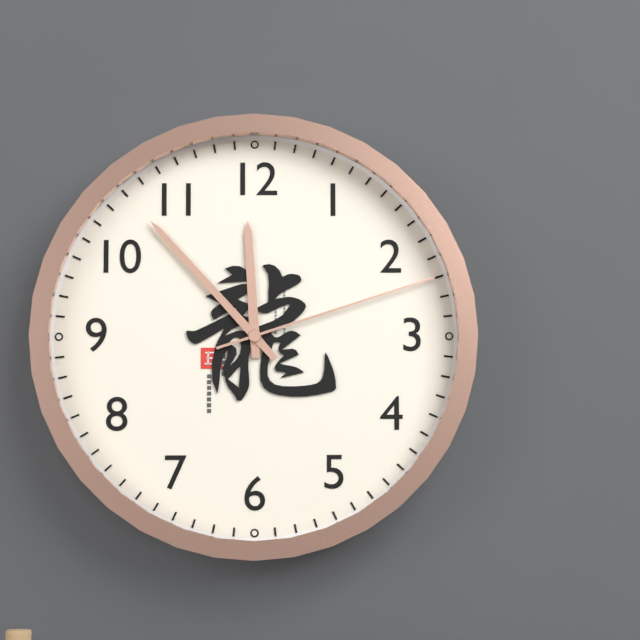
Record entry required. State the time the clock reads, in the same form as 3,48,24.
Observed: 11,53,12
